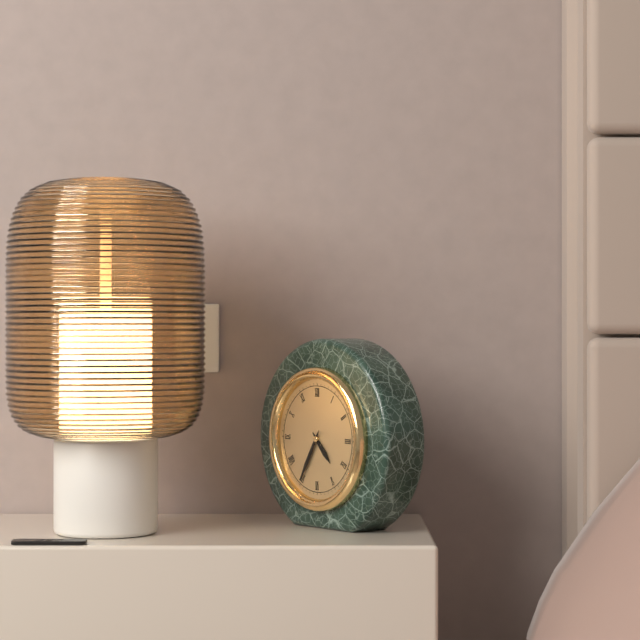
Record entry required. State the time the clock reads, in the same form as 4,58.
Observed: 4,35
